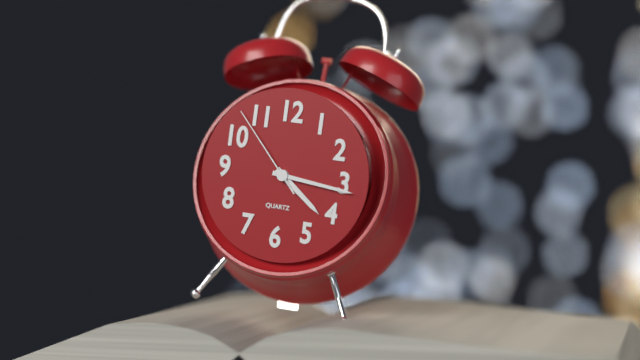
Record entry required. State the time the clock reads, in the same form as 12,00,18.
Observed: 4,16,53
